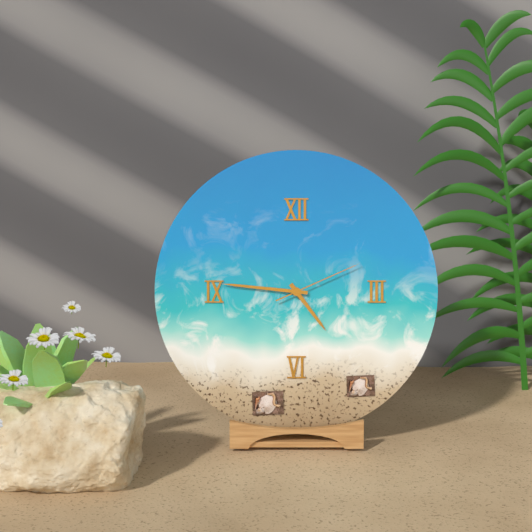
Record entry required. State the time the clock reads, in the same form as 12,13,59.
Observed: 4,46,11
